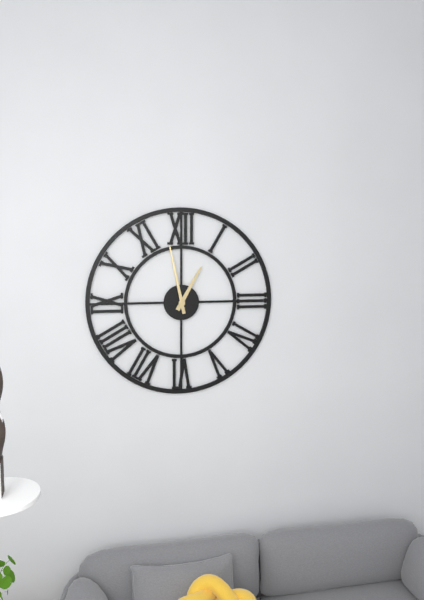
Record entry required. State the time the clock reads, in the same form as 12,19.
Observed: 12,58
